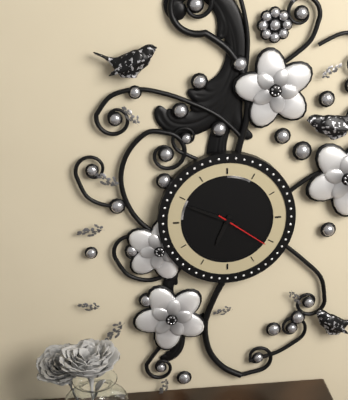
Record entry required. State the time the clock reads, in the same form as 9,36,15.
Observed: 6,49,21
